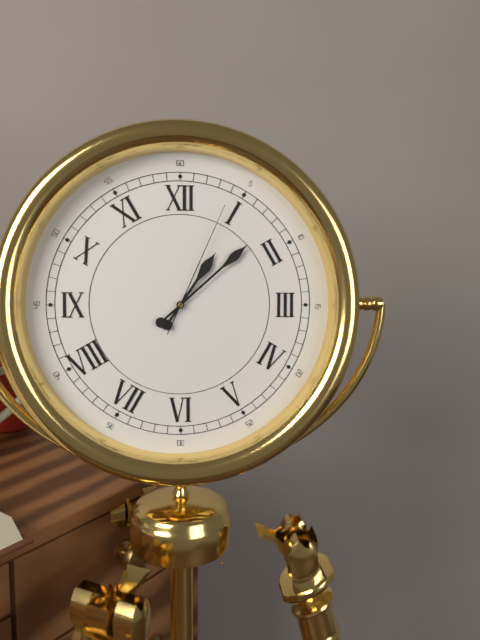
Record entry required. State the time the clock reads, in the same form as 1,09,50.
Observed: 1,08,04
